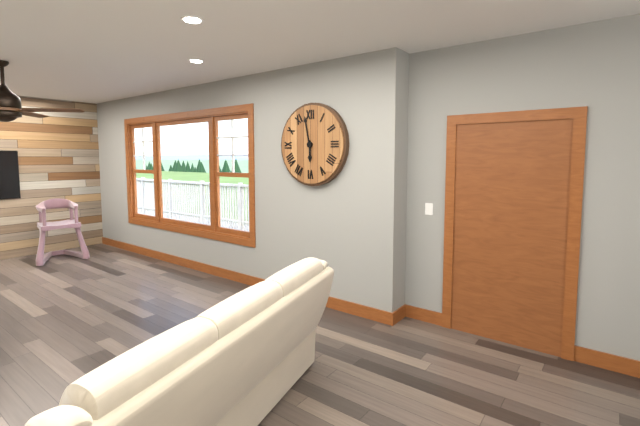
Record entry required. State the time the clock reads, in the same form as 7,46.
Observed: 5,58
